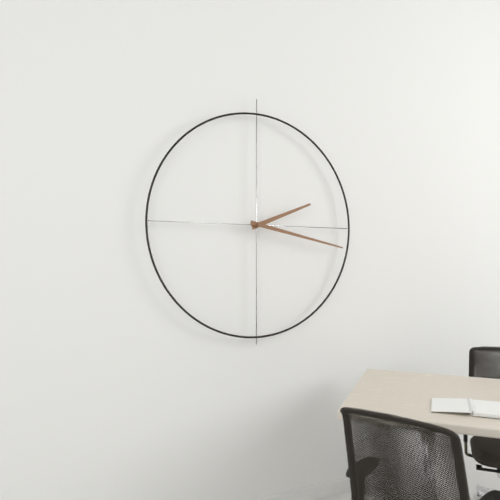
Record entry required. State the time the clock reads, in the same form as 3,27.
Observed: 2,17
